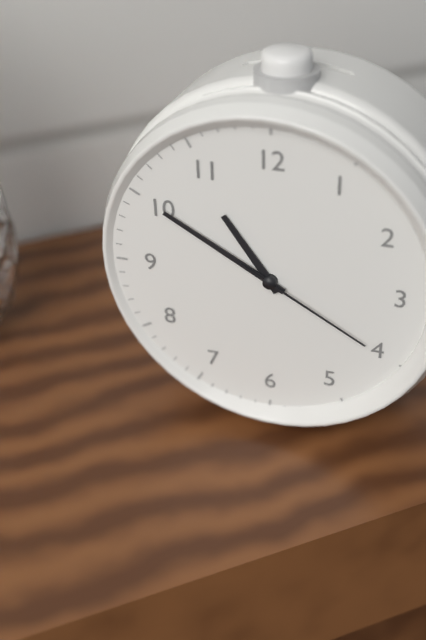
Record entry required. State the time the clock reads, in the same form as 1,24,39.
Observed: 10,50,20
